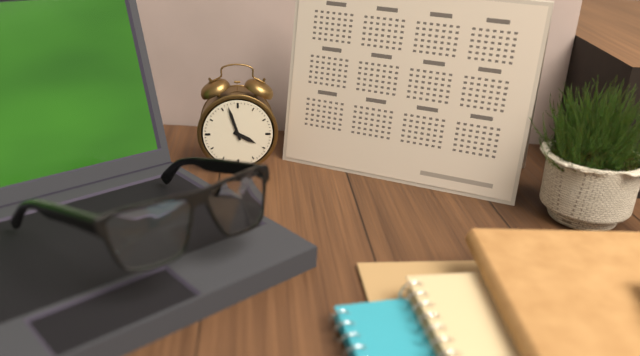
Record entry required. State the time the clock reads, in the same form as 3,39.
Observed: 3,57
